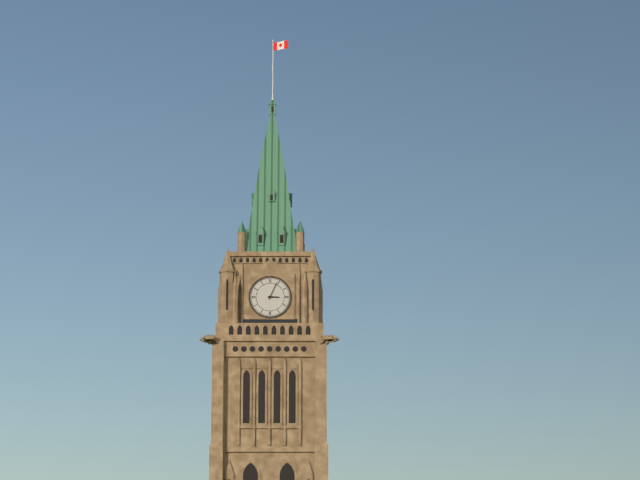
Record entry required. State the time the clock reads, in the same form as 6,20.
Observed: 3,04
